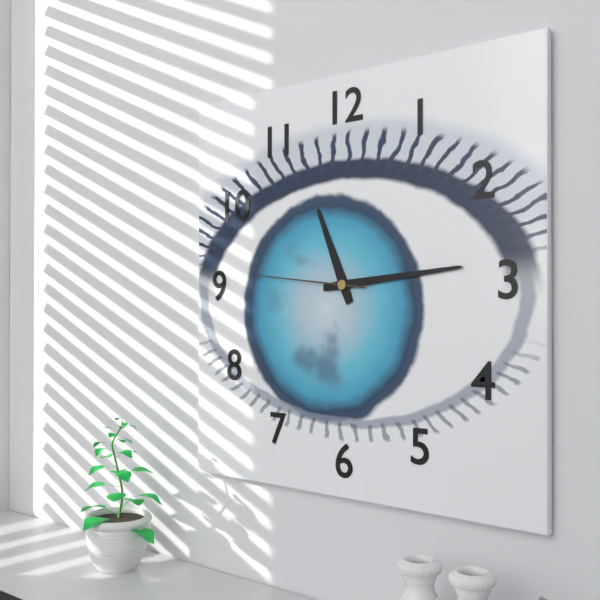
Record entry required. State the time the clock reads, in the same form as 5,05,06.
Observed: 11,14,46
